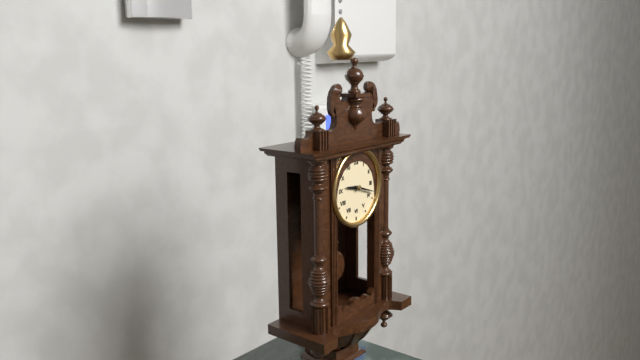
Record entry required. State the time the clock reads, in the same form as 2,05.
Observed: 9,18
